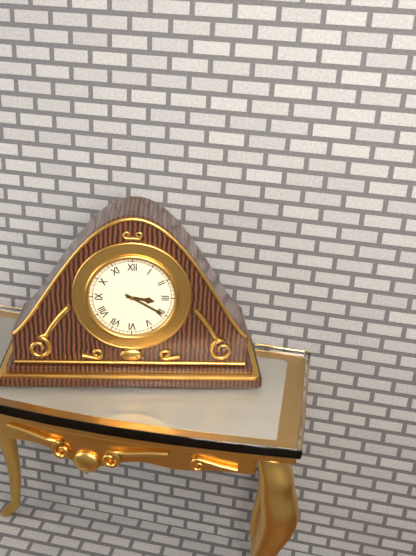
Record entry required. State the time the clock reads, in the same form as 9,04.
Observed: 3,20
